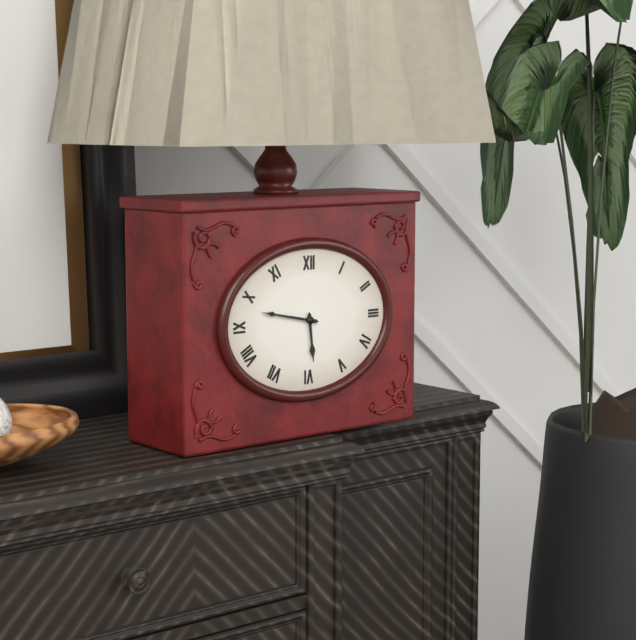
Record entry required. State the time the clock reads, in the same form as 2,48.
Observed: 5,47
